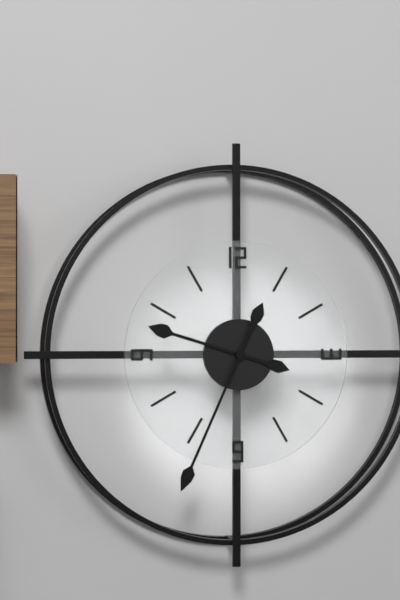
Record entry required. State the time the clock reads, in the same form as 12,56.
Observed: 9,34
